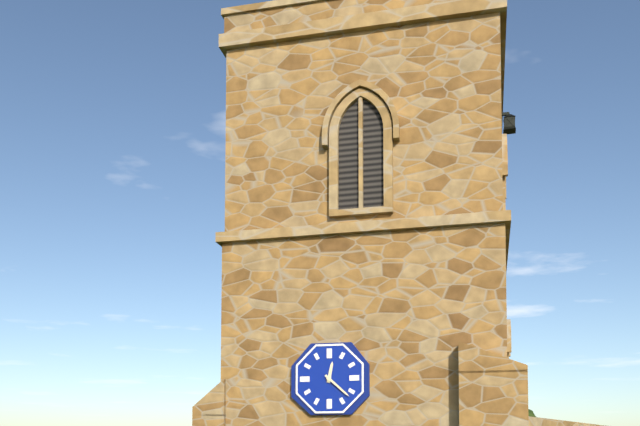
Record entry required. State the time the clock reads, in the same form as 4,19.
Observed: 12,22
